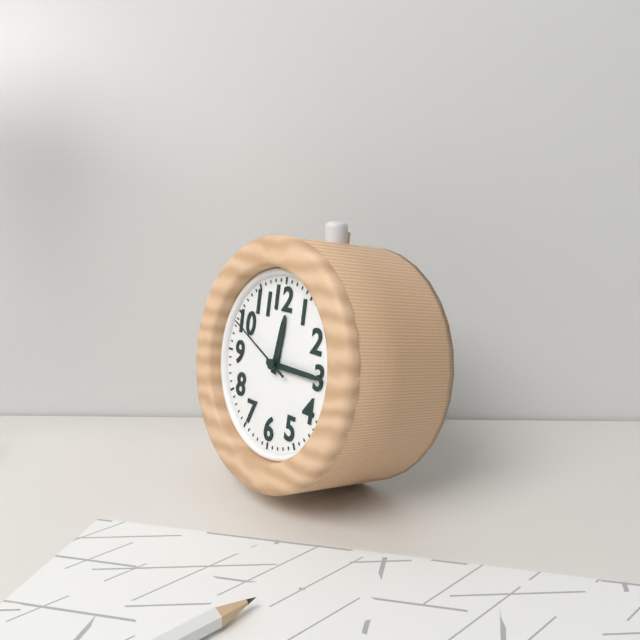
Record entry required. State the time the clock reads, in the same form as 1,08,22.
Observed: 12,15,49
